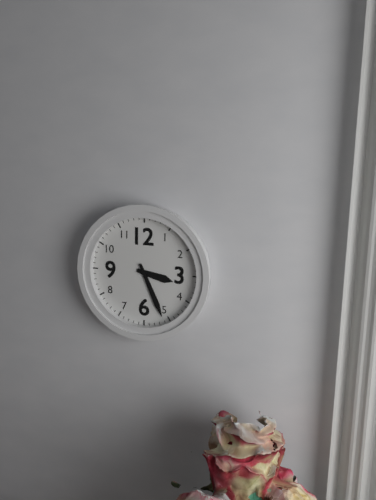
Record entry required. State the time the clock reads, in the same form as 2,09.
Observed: 3,26
